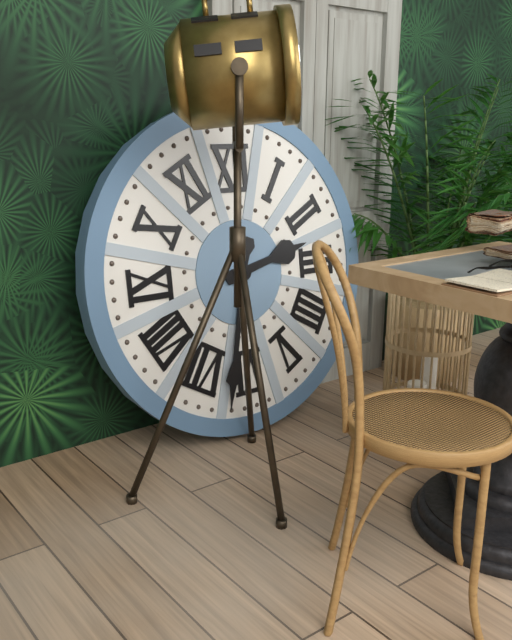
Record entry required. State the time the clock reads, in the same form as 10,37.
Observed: 2,32
